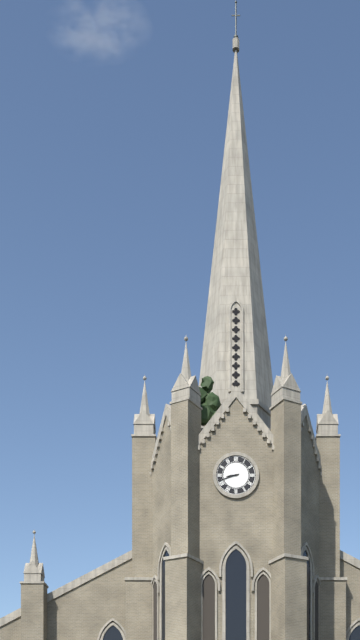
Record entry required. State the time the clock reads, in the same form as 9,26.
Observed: 8,42
